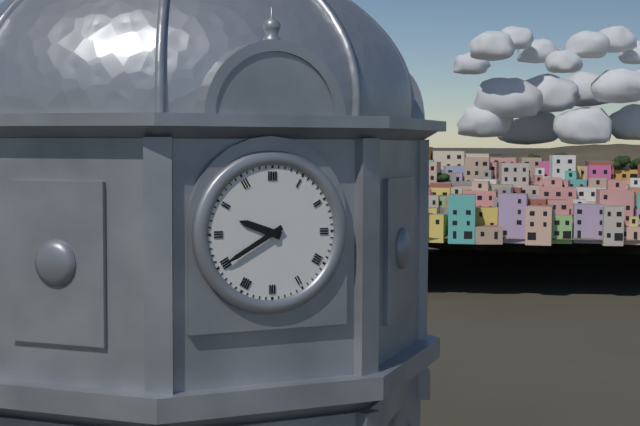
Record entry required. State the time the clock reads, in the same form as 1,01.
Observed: 9,40
